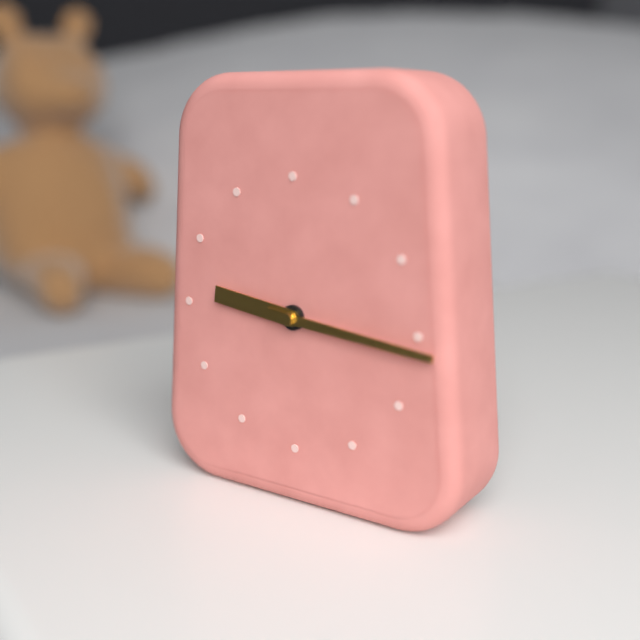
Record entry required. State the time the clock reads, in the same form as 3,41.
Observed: 9,16
